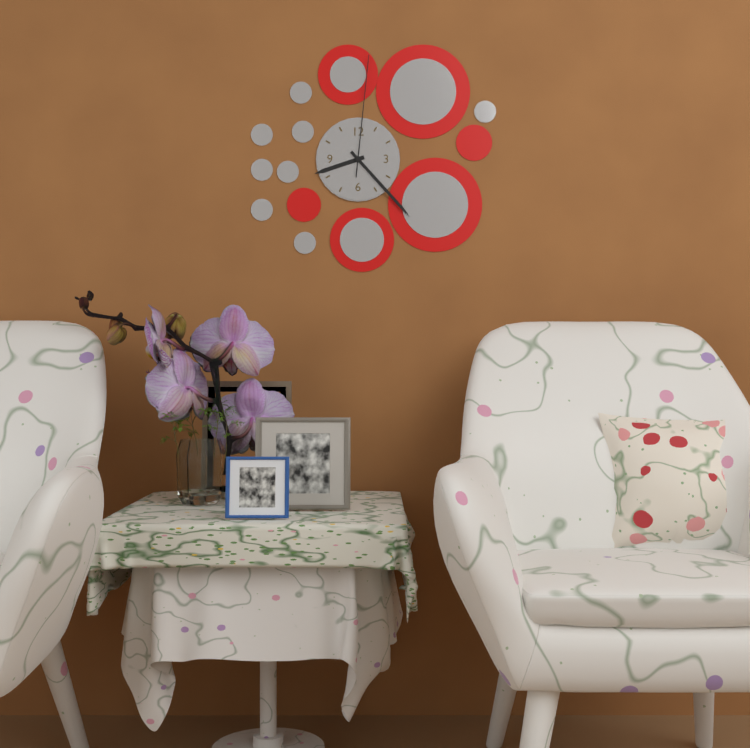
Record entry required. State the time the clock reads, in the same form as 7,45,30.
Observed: 8,23,01
